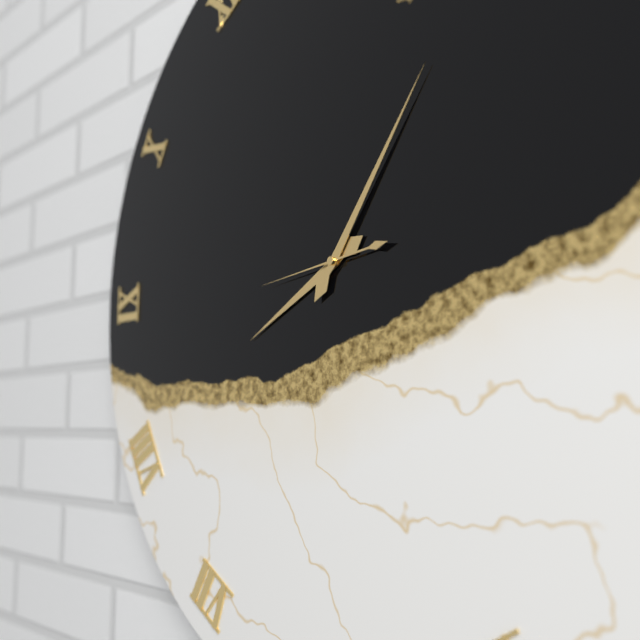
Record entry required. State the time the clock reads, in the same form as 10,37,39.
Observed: 8,06,44
